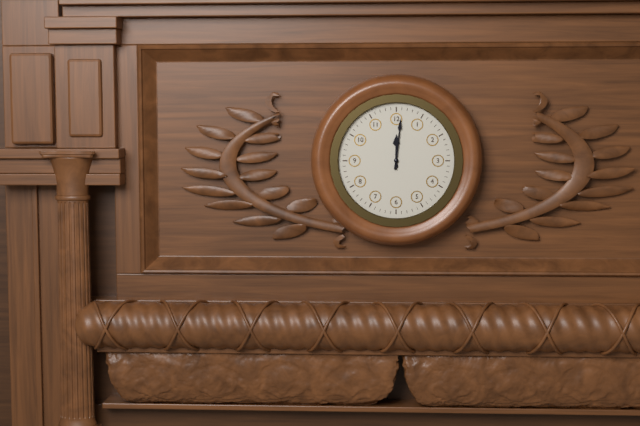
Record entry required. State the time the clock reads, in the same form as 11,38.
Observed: 12,01
